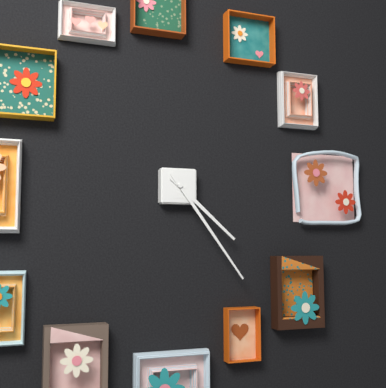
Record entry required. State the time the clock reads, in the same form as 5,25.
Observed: 4,24
